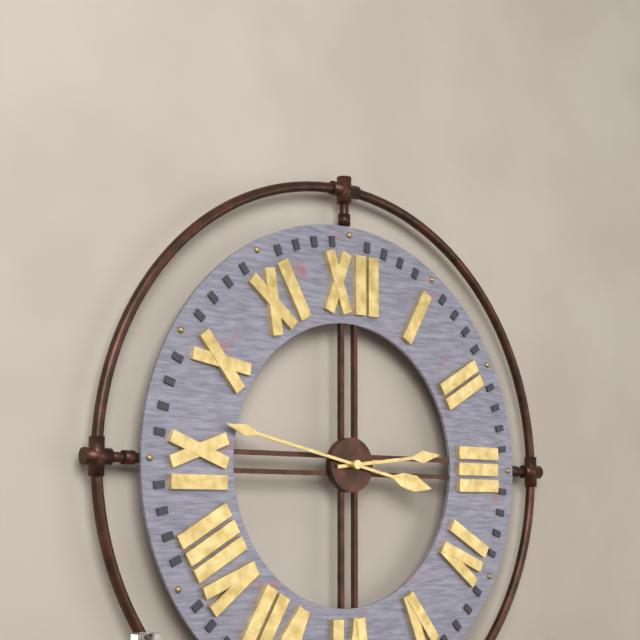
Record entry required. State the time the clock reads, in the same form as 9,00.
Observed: 2,47
